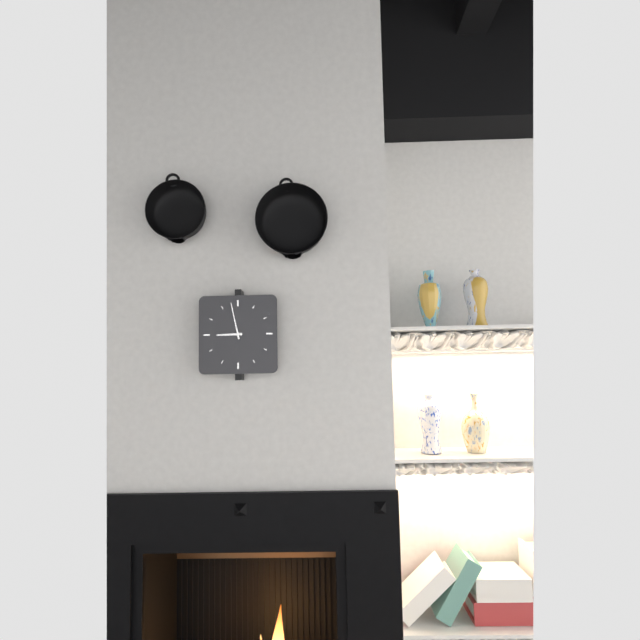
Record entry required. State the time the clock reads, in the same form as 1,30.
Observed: 8,58
